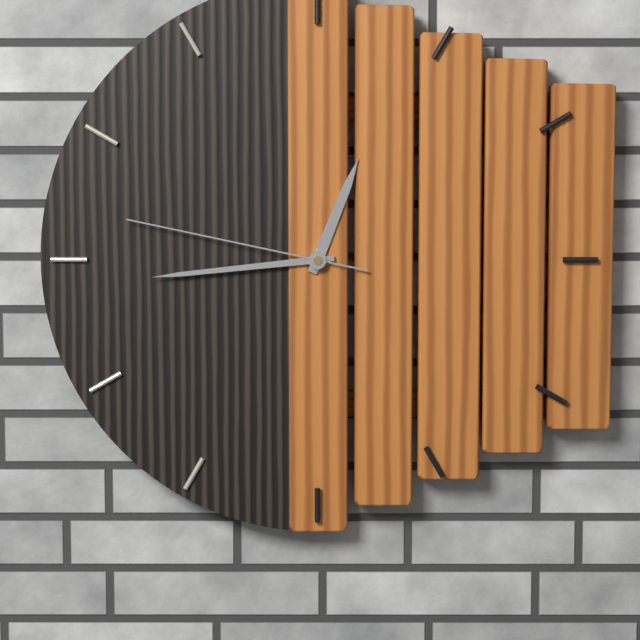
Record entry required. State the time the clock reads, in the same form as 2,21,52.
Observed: 12,44,47
